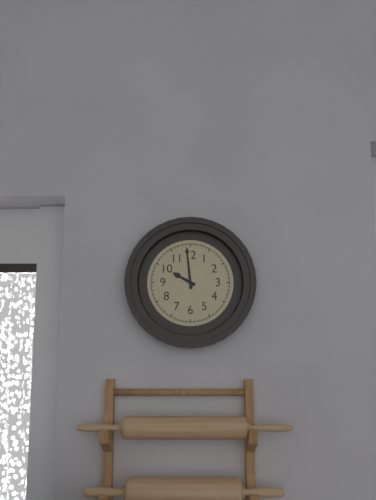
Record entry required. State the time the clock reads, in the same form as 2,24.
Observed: 9,59
